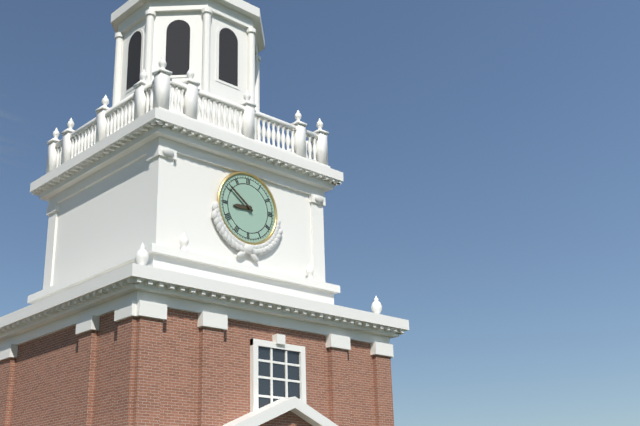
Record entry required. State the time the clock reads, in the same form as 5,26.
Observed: 8,51
